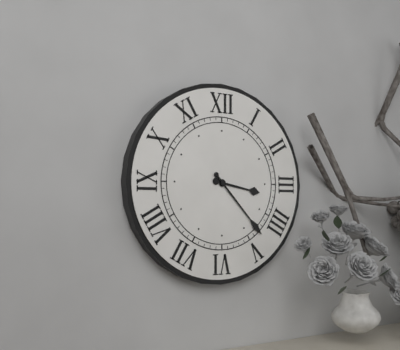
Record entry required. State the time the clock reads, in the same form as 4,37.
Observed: 3,23
